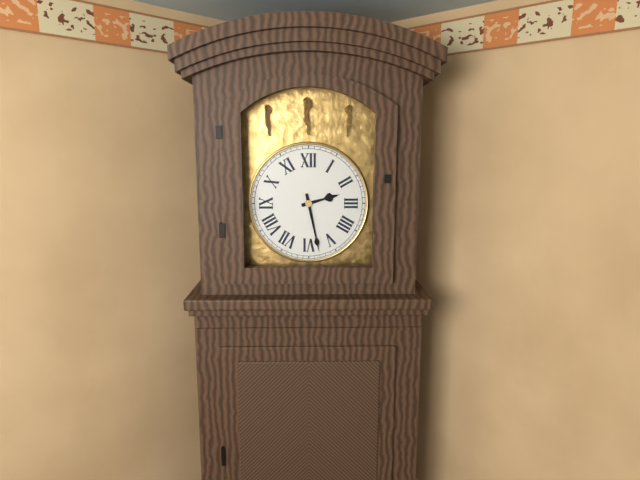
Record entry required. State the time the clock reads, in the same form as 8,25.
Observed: 2,28
